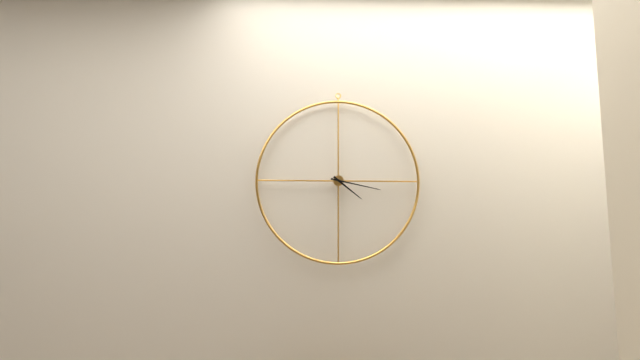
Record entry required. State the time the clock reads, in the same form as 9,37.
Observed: 4,17
